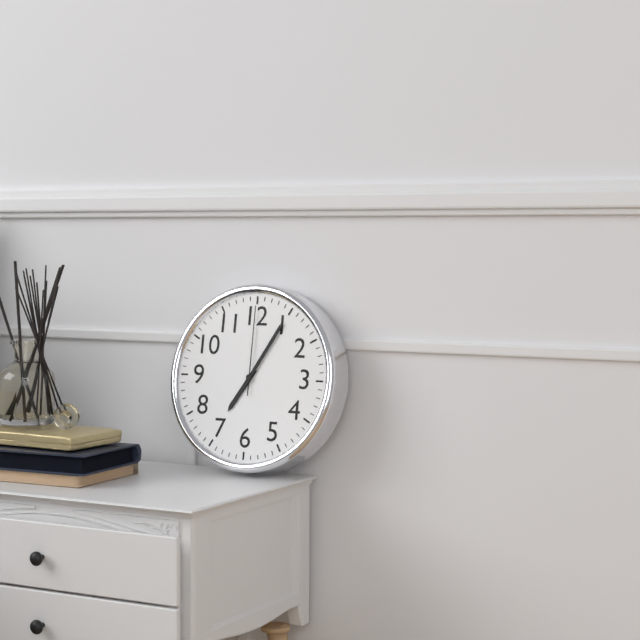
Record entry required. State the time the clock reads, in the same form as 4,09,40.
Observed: 7,05,00
